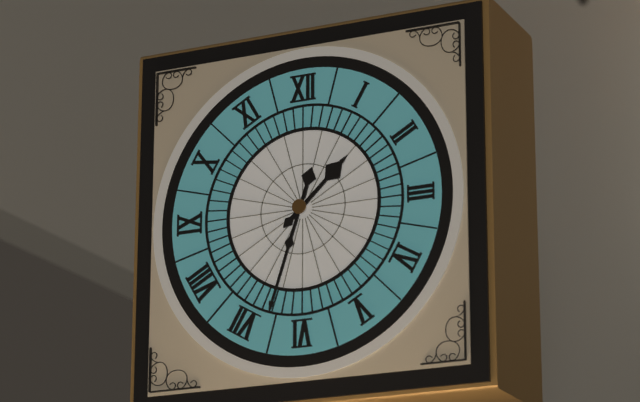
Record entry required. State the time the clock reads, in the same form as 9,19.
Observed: 1,33
